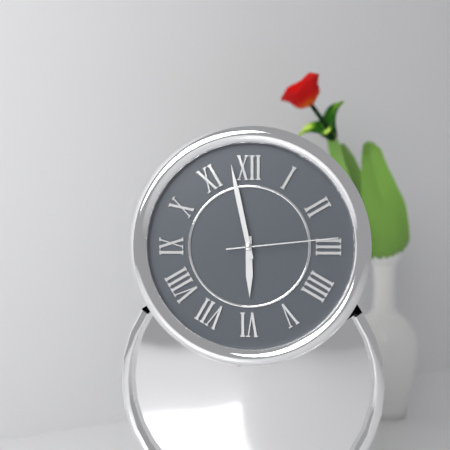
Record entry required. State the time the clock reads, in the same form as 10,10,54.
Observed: 5,58,14
